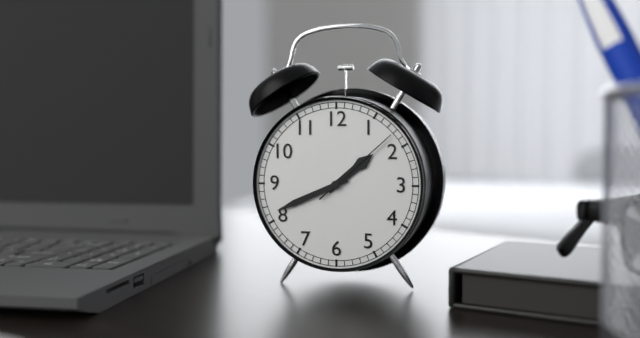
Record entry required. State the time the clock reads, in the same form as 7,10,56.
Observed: 1,41,08
